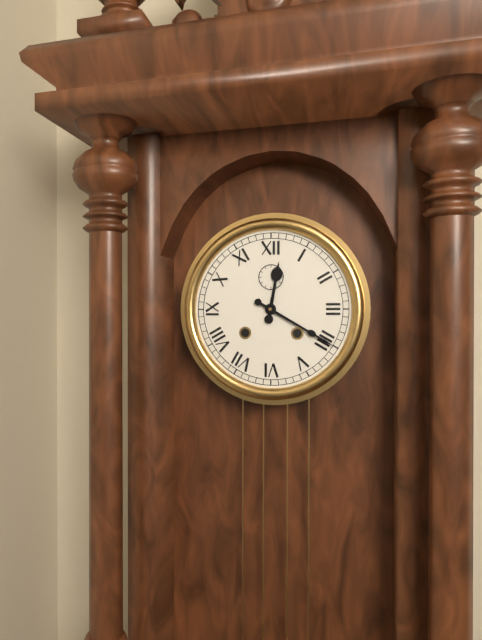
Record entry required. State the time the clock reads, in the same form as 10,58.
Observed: 12,20
